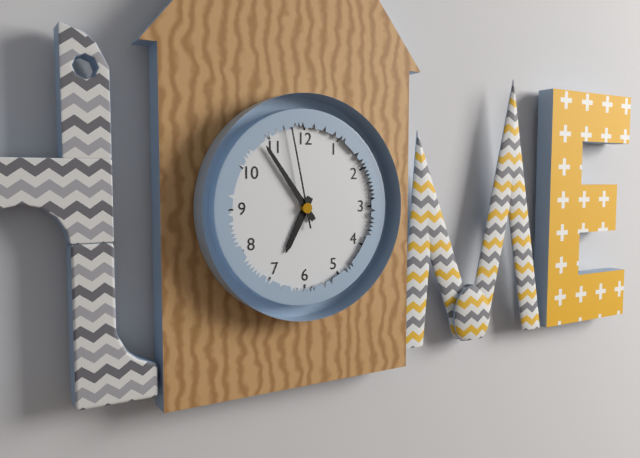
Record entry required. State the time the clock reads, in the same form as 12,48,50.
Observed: 6,54,58
